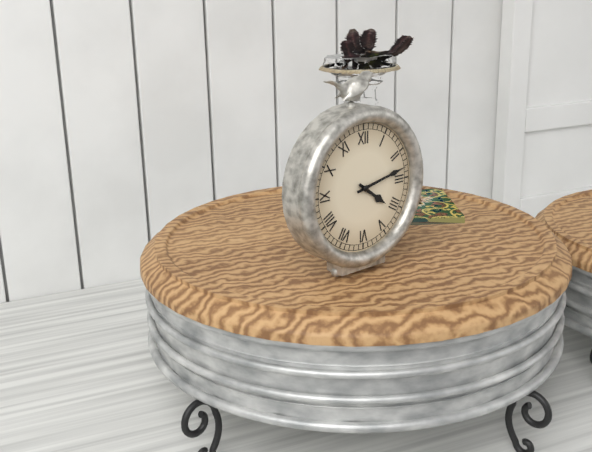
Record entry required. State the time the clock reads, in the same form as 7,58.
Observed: 4,13
